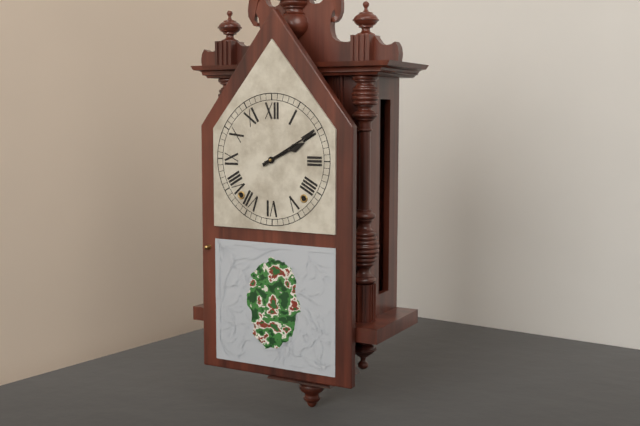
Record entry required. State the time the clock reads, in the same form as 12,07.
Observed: 2,10
